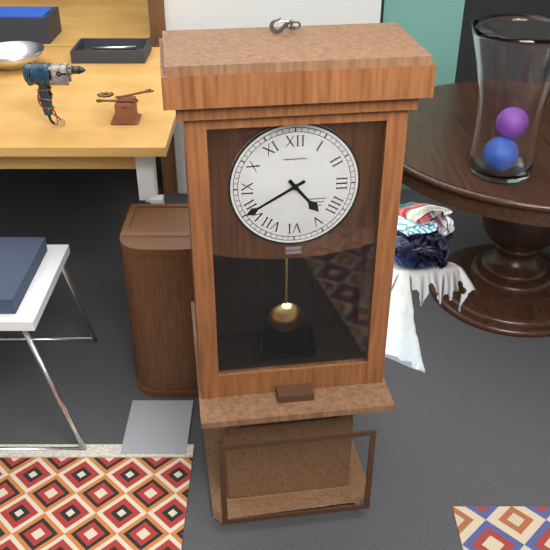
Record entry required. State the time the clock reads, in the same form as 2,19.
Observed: 4,40
